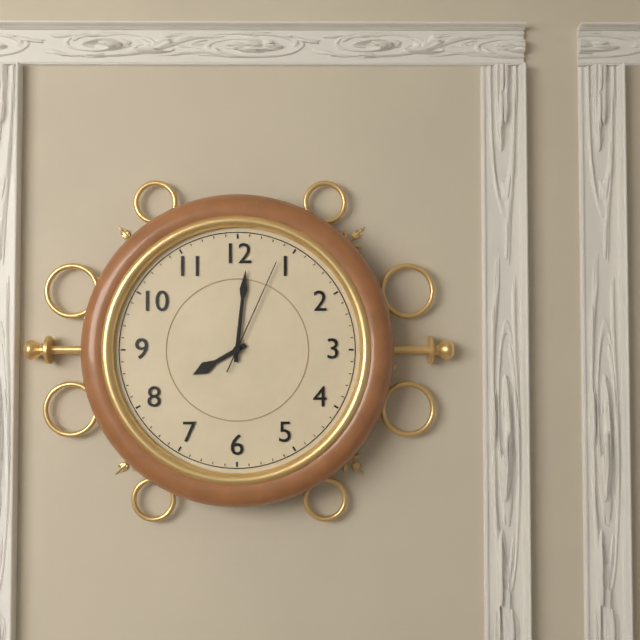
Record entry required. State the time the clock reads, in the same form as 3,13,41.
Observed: 8,01,04
